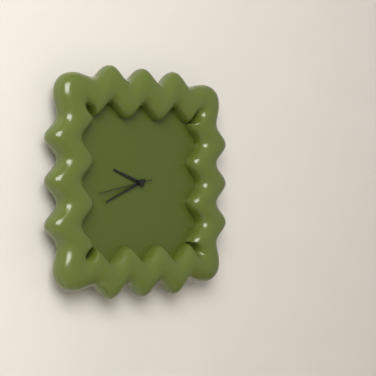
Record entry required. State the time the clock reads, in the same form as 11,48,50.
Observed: 9,41,43
